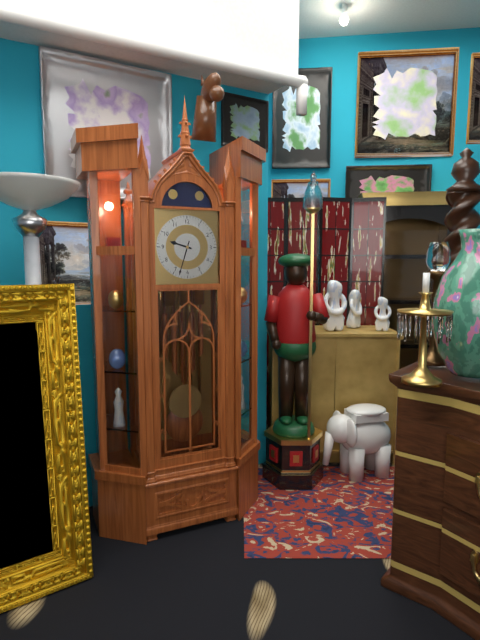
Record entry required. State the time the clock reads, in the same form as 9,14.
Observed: 9,33
